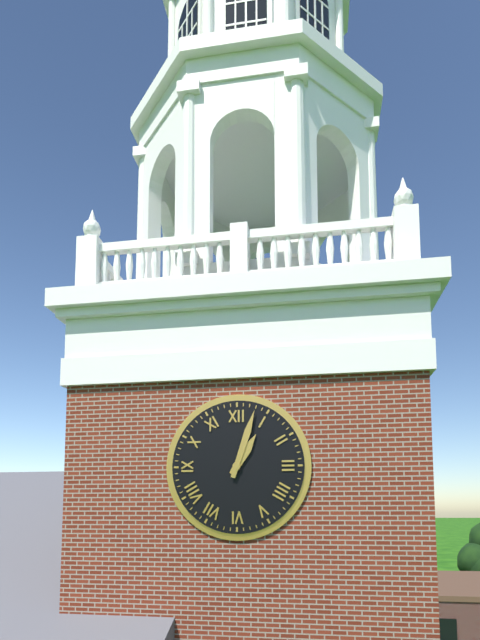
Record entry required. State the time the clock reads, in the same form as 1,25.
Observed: 1,03
